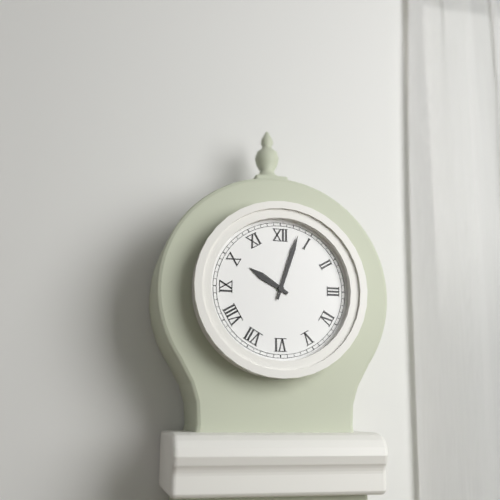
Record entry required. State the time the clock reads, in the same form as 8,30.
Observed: 10,03
